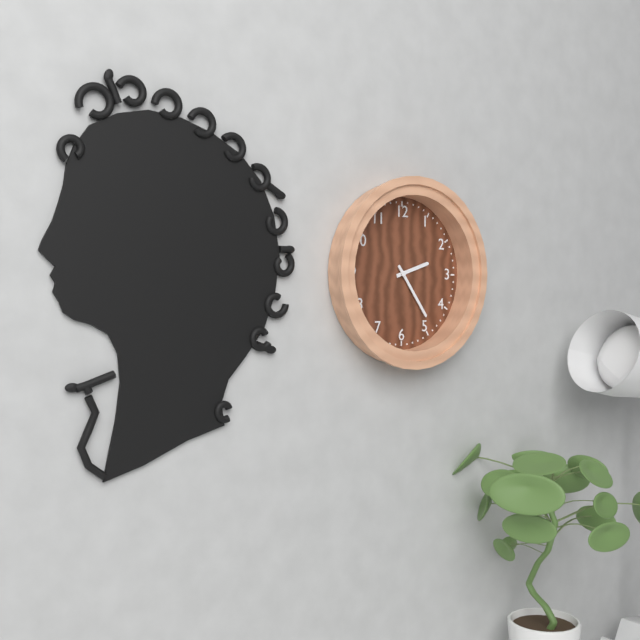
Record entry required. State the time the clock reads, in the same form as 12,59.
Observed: 2,24
